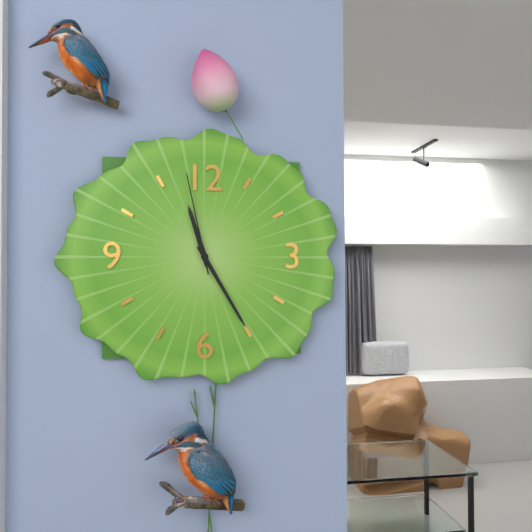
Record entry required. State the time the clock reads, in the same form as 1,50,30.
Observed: 11,25,58
